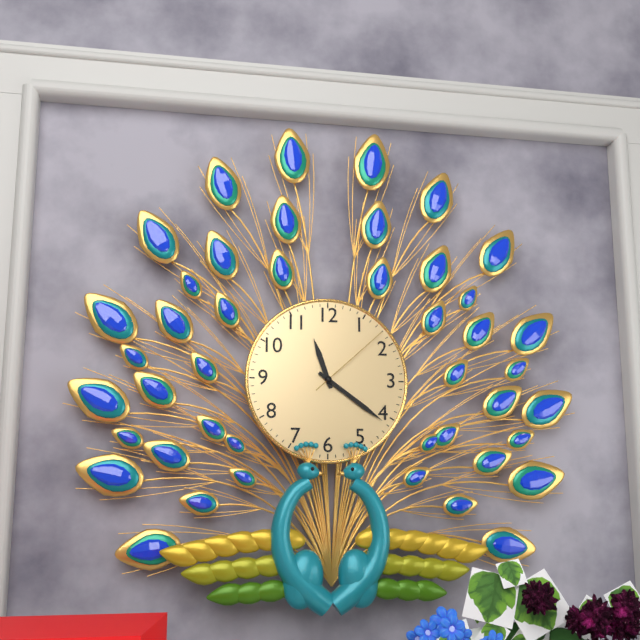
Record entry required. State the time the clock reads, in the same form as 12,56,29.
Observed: 11,21,08
